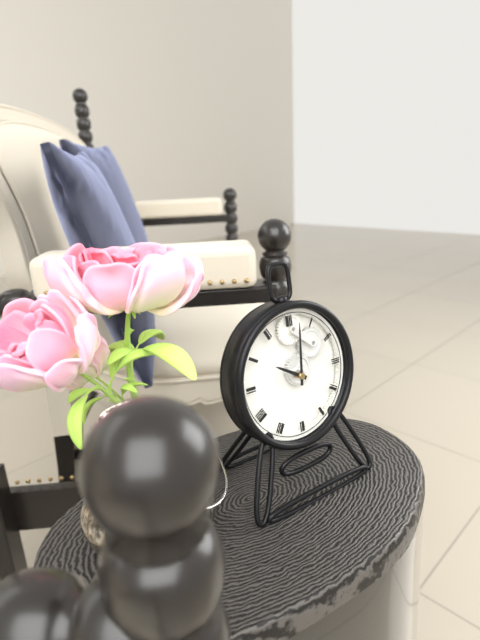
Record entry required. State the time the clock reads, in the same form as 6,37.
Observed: 10,01
